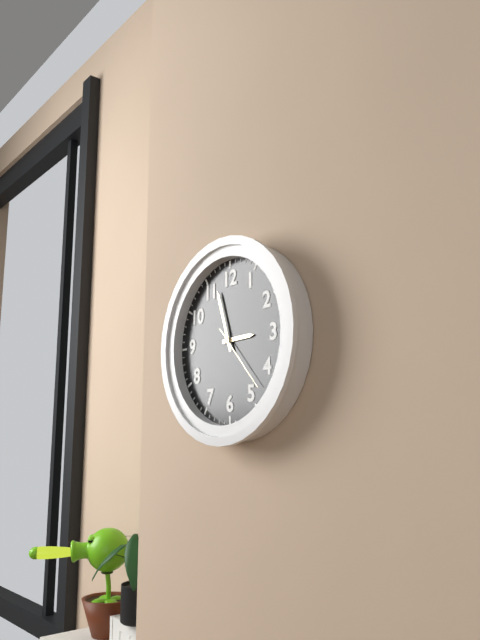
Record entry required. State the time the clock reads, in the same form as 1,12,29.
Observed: 2,57,23
